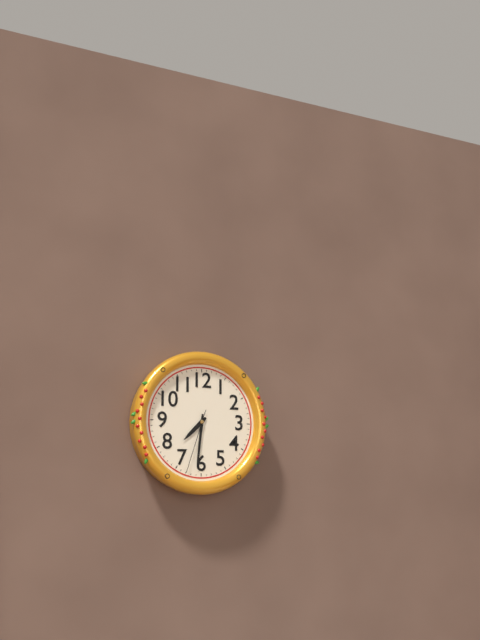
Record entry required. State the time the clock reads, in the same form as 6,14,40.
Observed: 7,31,33
